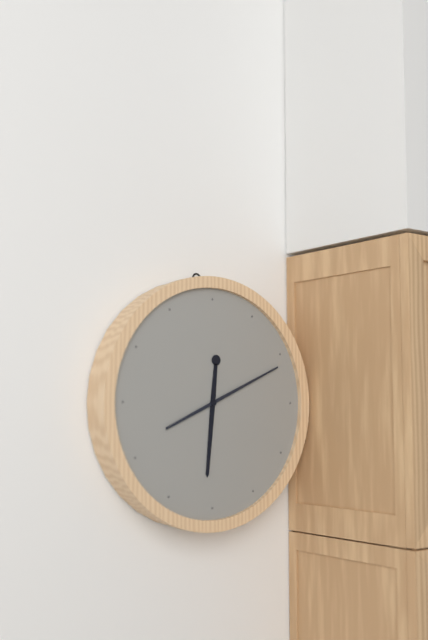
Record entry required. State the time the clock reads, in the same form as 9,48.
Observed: 6,11
